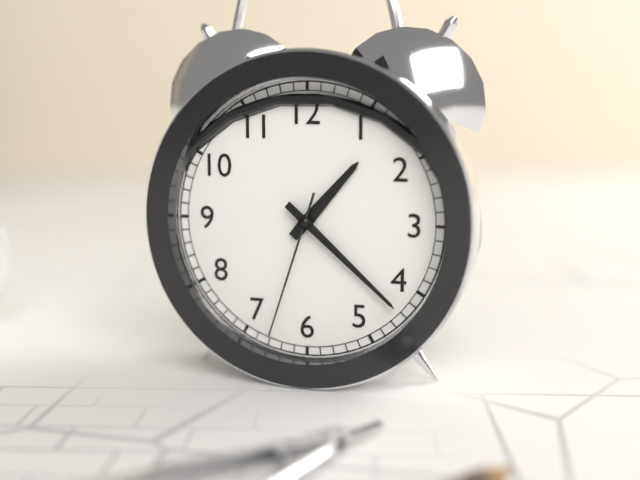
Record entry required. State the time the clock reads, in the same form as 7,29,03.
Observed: 1,22,33
